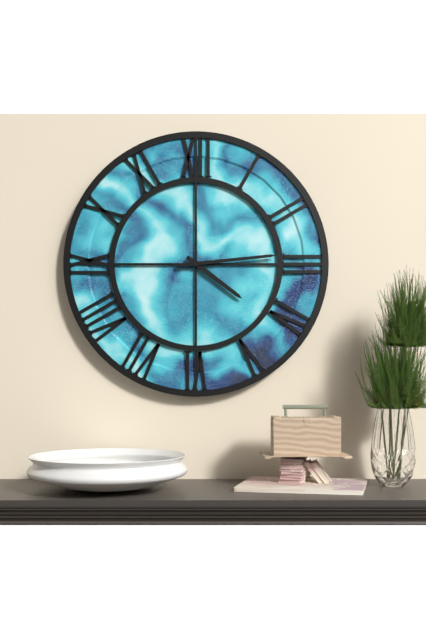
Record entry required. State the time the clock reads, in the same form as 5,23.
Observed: 4,14
